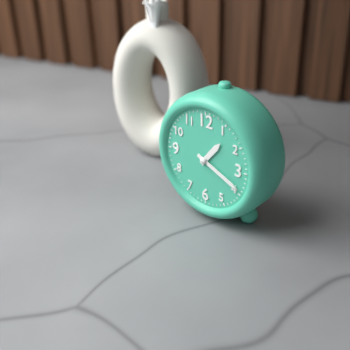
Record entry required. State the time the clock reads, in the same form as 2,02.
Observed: 1,19
